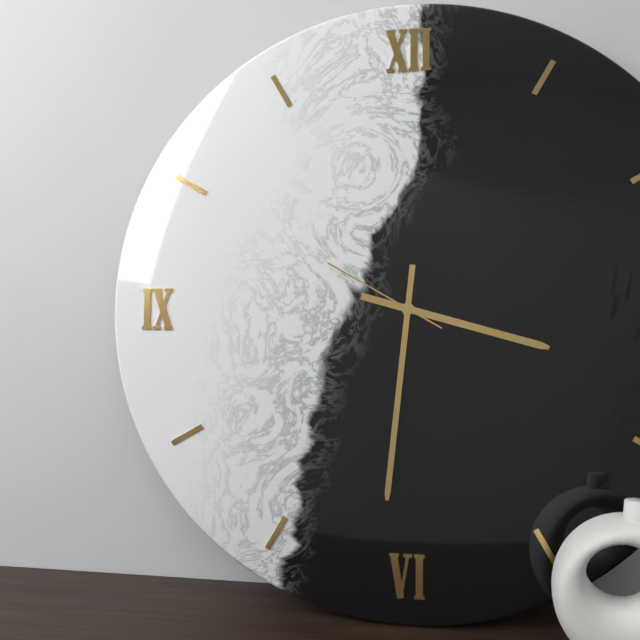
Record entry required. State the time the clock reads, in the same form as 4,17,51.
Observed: 3,31,50
